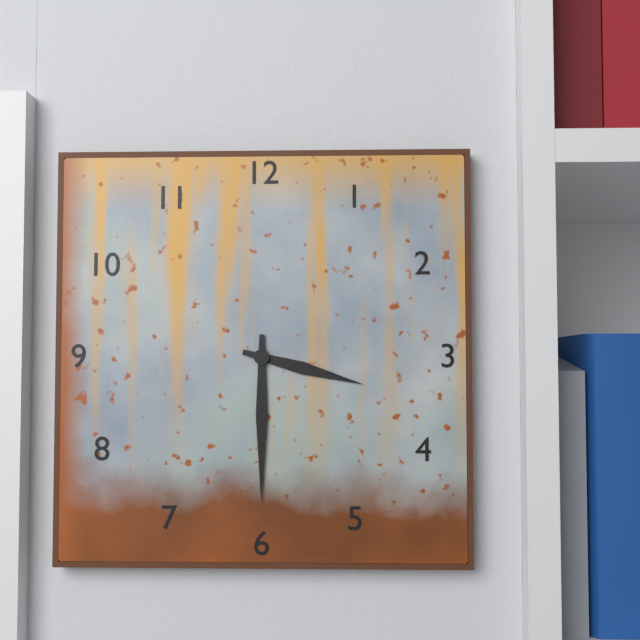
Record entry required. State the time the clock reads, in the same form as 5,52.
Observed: 3,30
